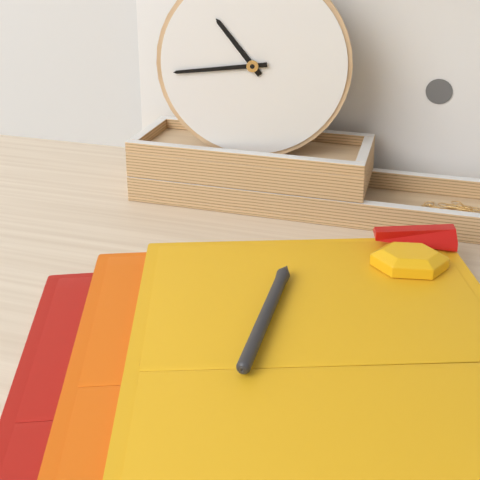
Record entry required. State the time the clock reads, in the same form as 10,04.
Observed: 10,44
